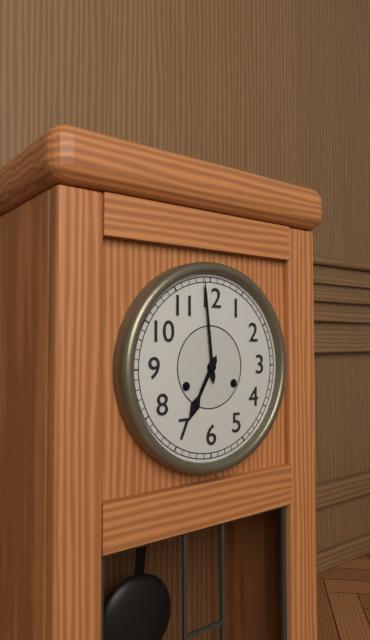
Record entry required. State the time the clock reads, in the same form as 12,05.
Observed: 6,59
